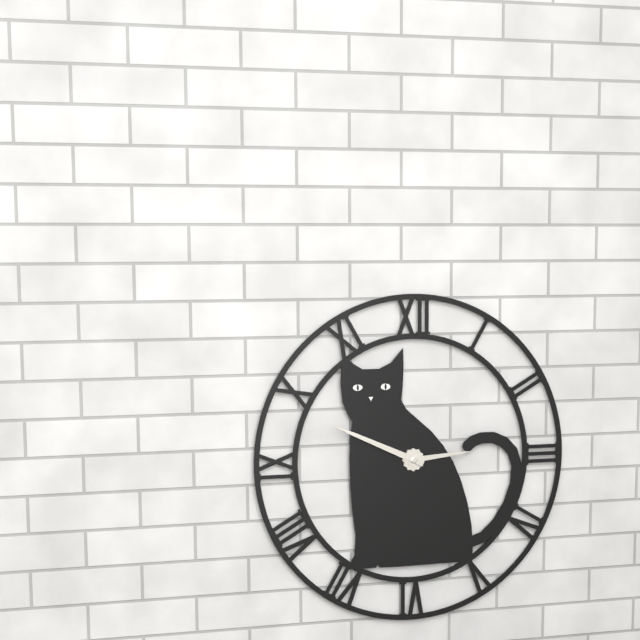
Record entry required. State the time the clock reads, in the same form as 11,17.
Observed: 2,49
